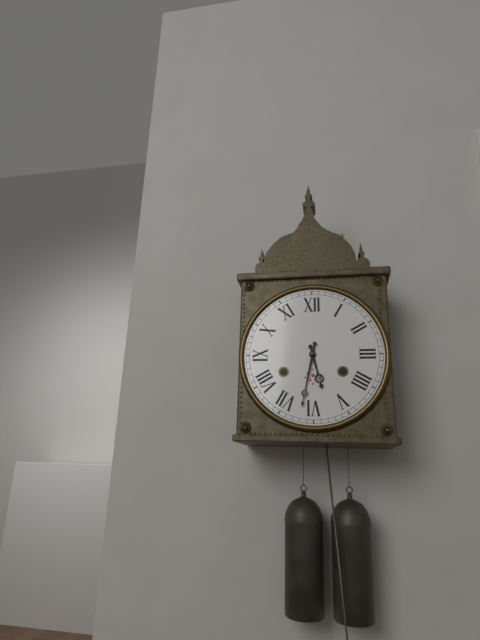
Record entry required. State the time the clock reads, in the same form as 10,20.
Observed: 5,32
